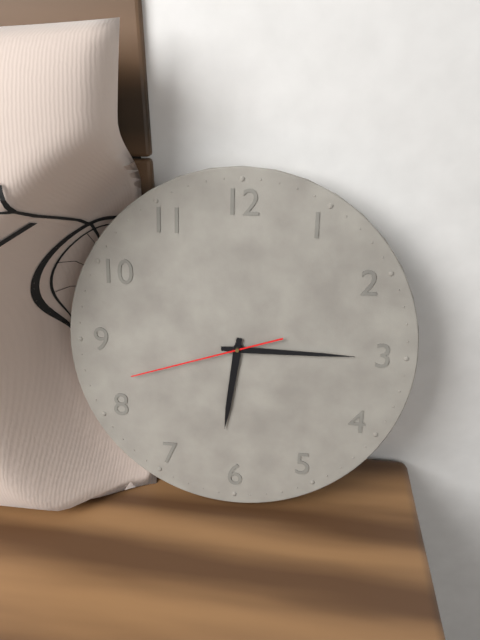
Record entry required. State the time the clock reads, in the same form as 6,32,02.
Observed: 6,15,42
